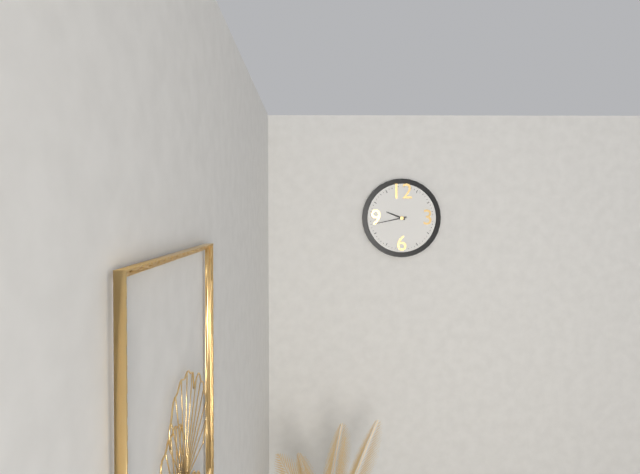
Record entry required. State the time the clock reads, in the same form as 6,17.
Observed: 9,43
